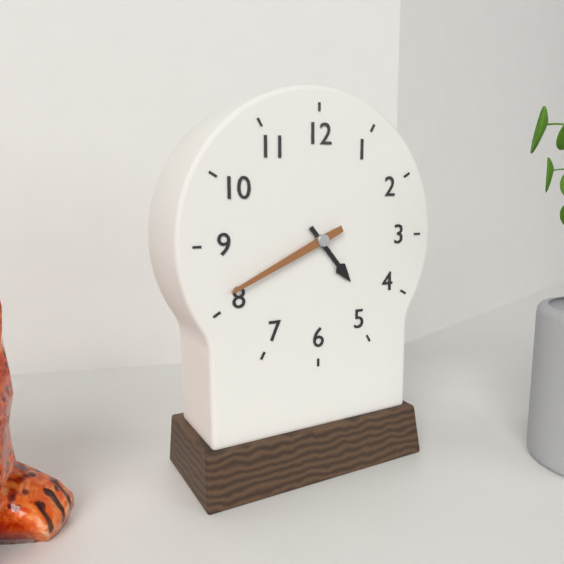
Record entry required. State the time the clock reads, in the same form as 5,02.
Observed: 4,41
